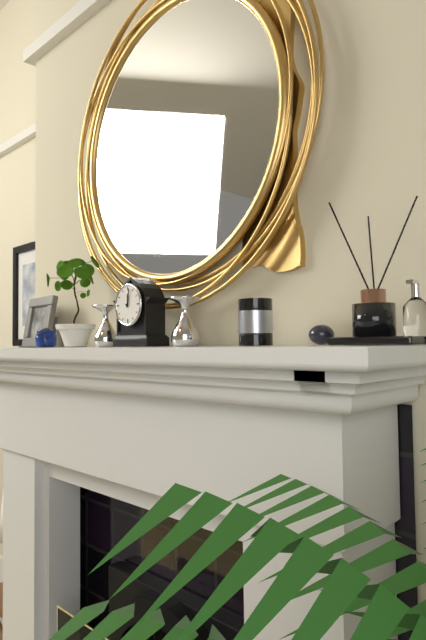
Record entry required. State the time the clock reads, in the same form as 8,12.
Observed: 12,02
